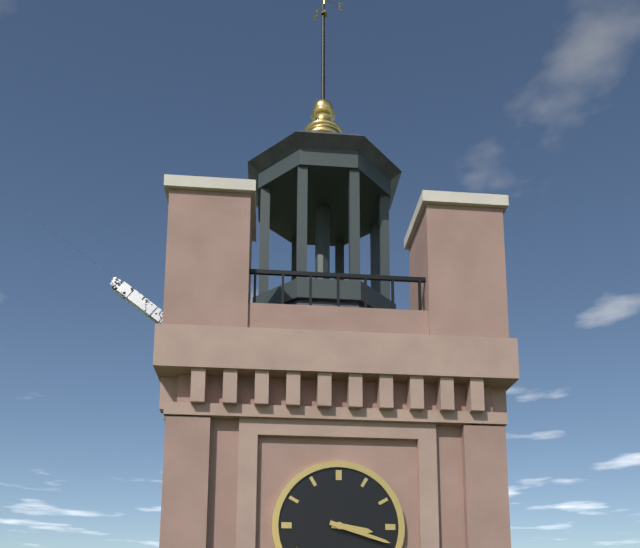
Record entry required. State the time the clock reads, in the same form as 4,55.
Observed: 3,18
